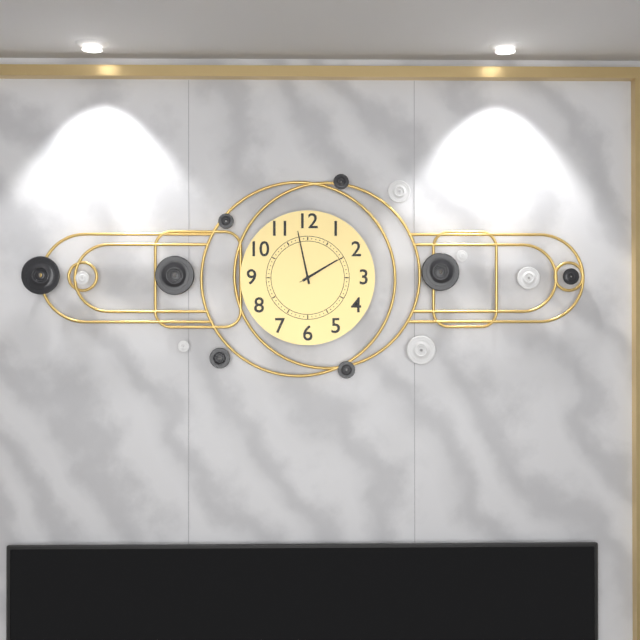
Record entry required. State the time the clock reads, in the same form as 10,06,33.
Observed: 1,58,10
